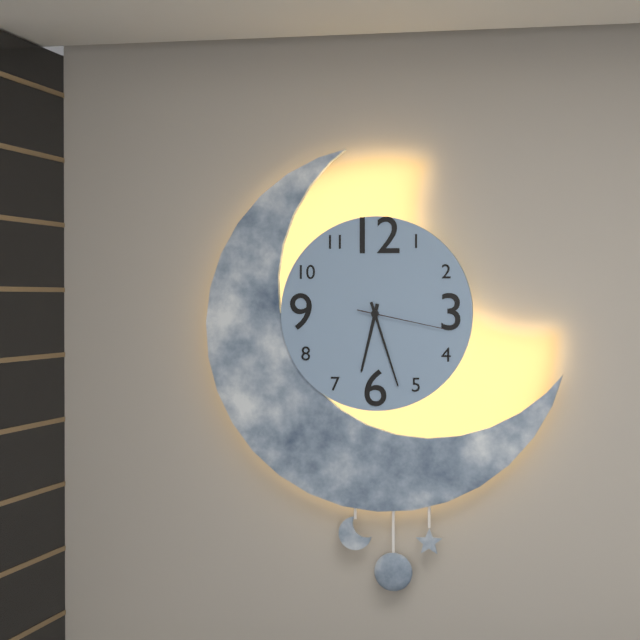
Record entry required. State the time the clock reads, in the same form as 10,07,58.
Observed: 6,27,17
